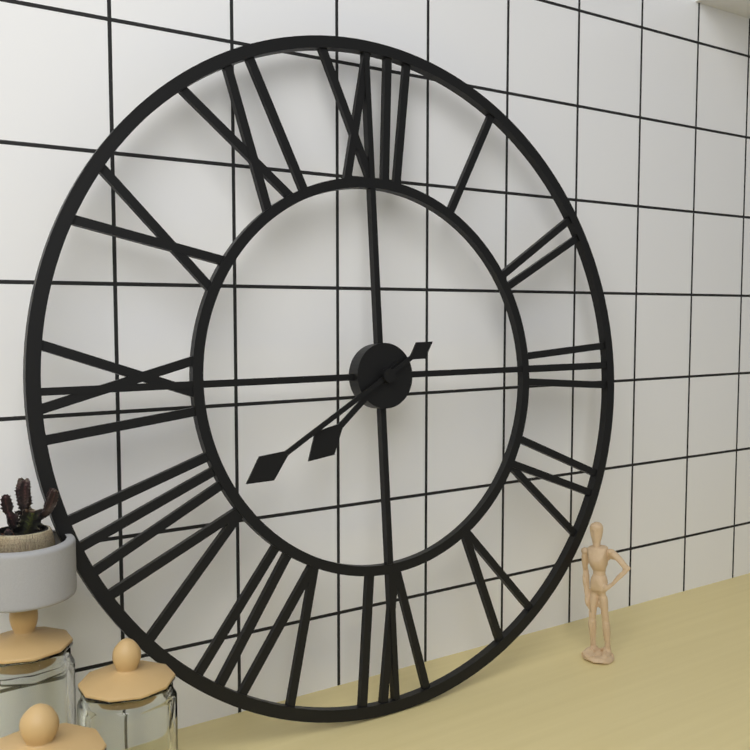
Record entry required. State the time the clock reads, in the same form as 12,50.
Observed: 7,40
